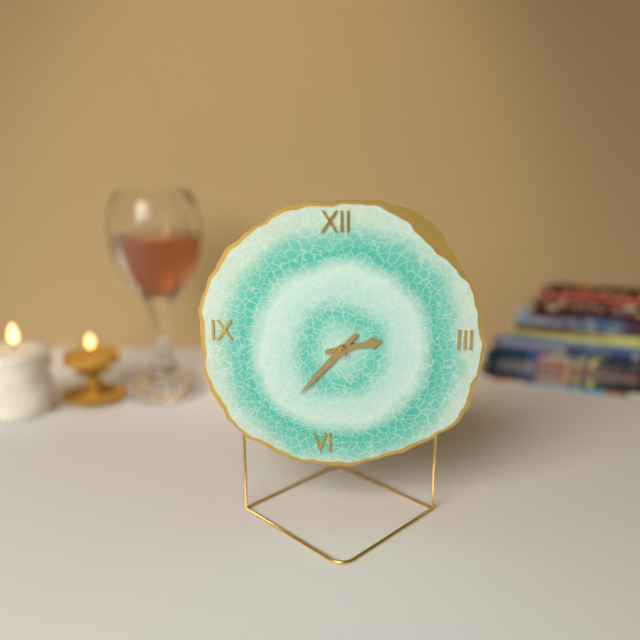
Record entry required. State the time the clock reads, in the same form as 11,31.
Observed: 2,37
